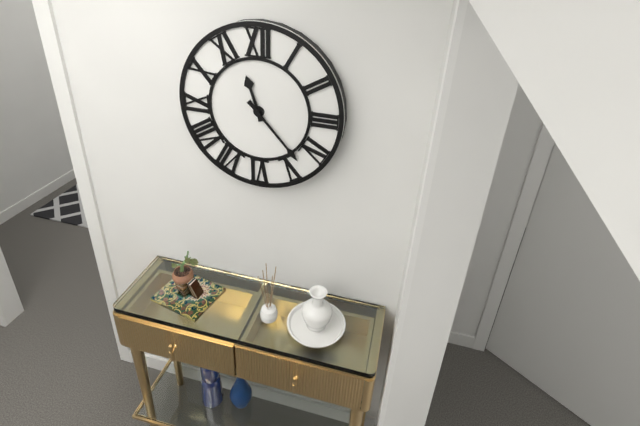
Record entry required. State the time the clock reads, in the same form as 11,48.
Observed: 11,23
